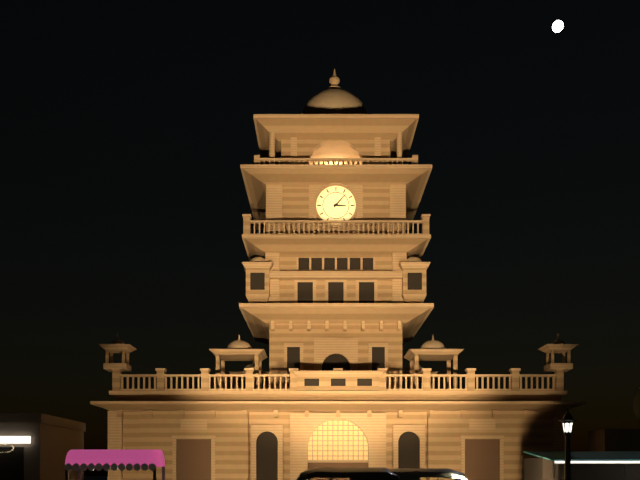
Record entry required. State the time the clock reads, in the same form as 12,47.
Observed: 3,07
